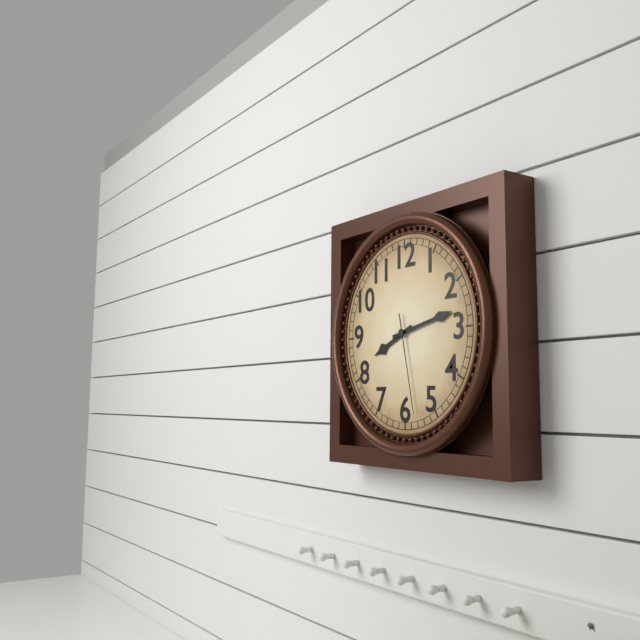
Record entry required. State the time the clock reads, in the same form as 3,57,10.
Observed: 8,13,28
